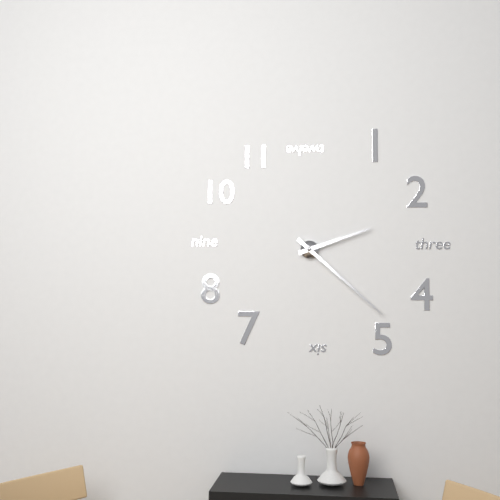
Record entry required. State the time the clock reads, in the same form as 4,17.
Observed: 2,22
